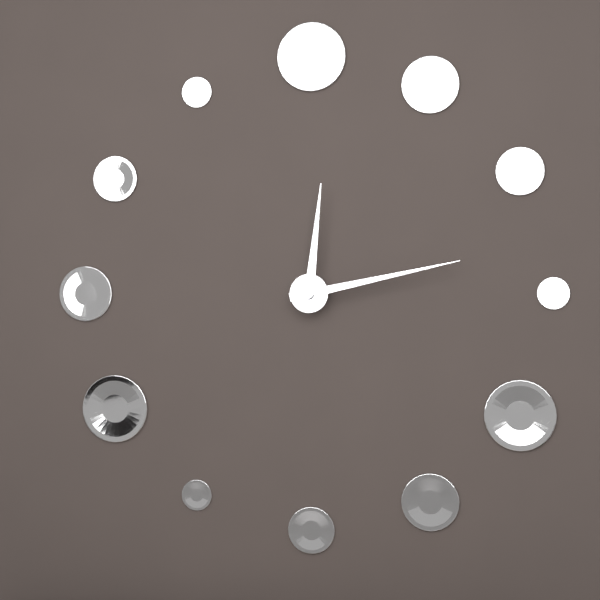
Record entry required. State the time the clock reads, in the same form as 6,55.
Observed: 12,13
